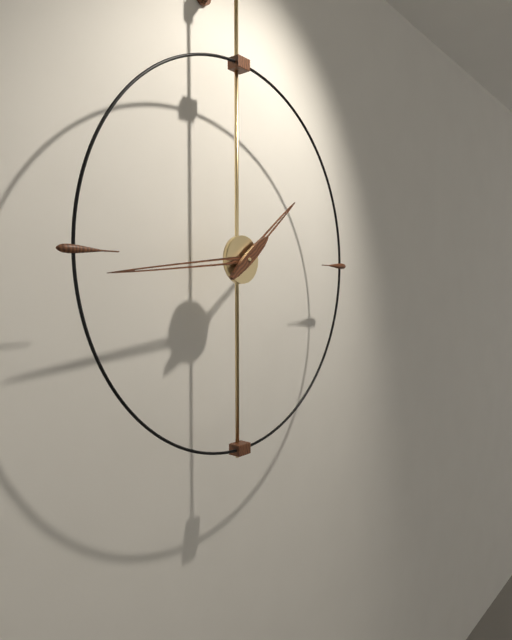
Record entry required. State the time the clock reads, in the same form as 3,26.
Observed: 1,44
